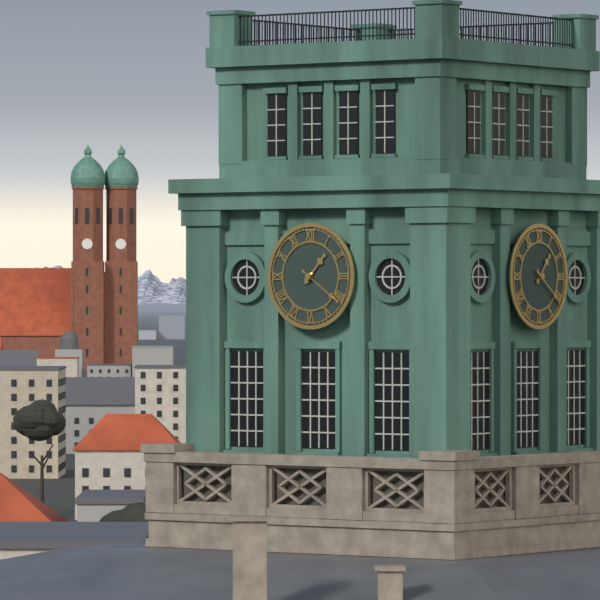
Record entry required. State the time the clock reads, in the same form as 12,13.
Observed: 1,21
